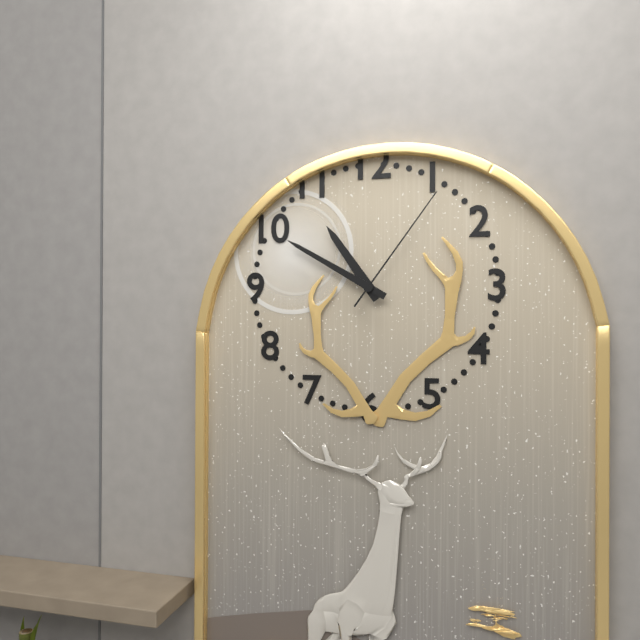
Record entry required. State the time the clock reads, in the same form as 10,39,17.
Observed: 10,50,06
